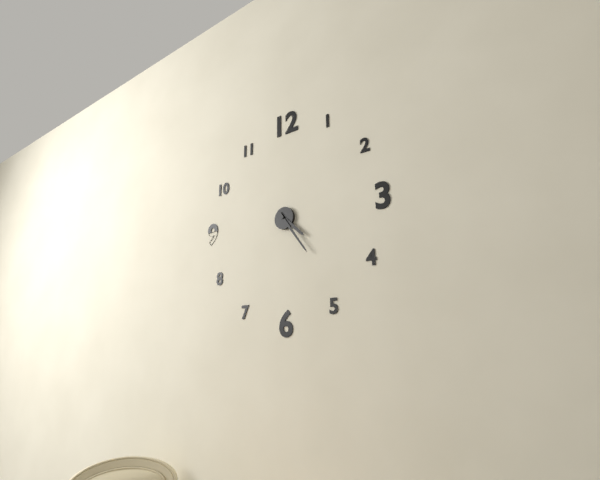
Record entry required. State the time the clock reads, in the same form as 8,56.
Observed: 4,24
